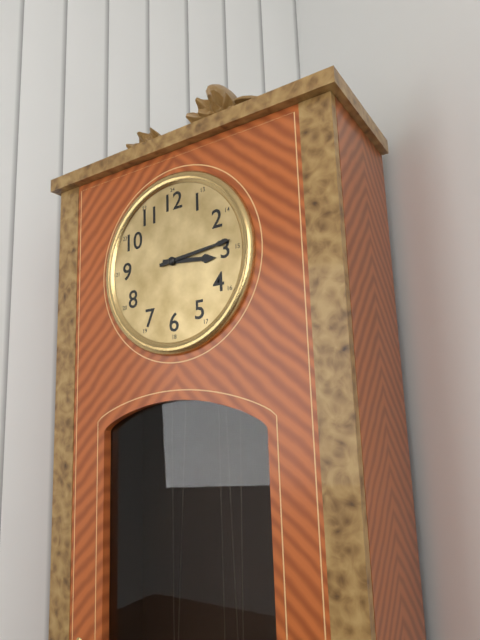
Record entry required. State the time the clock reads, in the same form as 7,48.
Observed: 3,14
